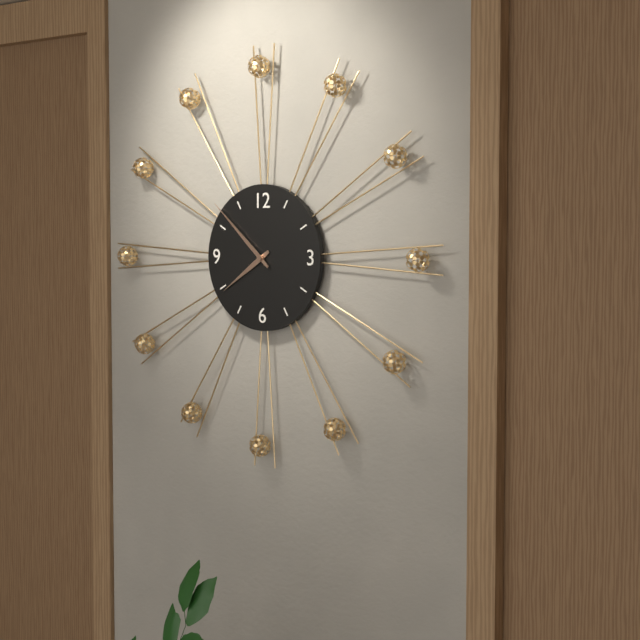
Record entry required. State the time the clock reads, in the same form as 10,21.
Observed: 7,52
